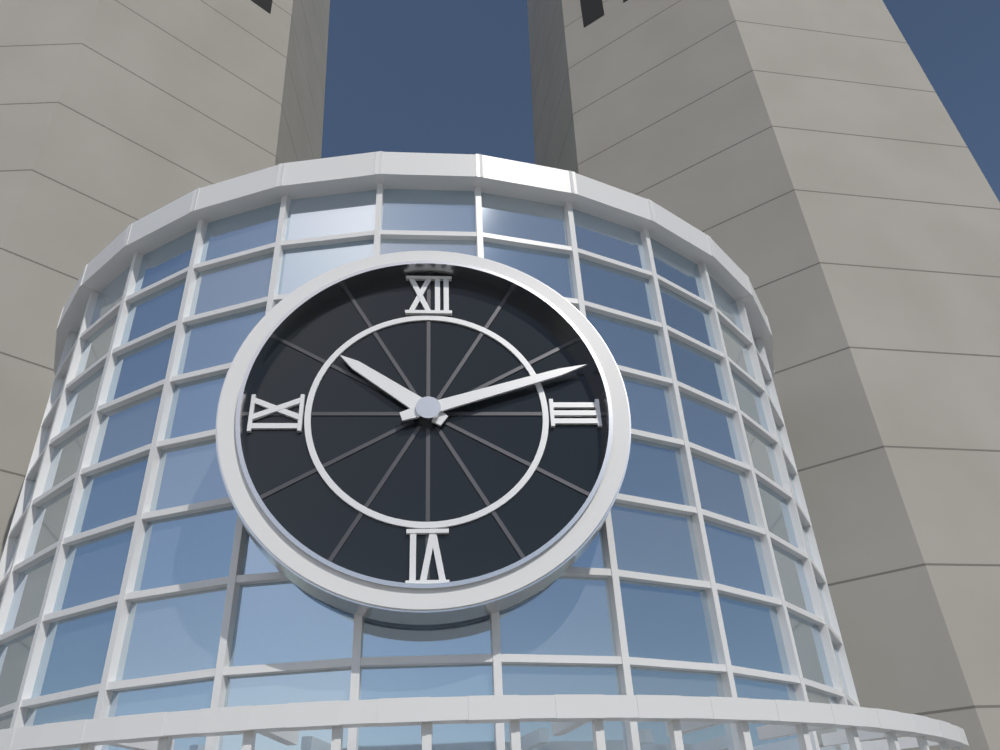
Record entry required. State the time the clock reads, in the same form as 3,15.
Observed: 10,12
